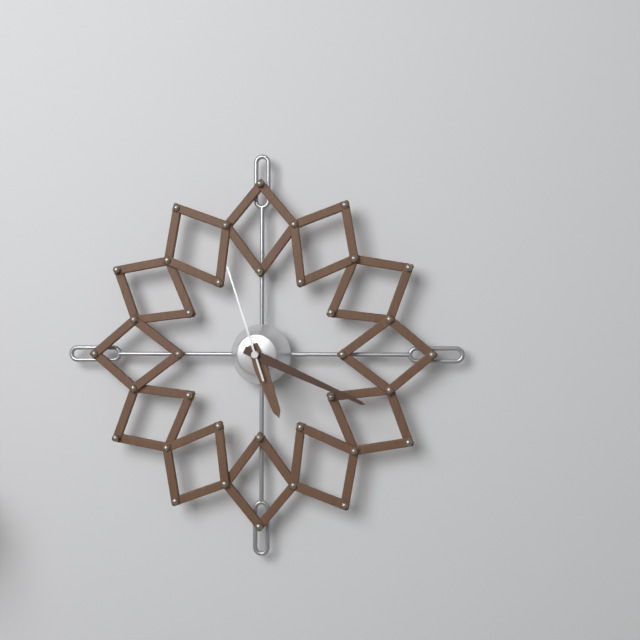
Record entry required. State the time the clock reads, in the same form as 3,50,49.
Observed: 5,19,57
